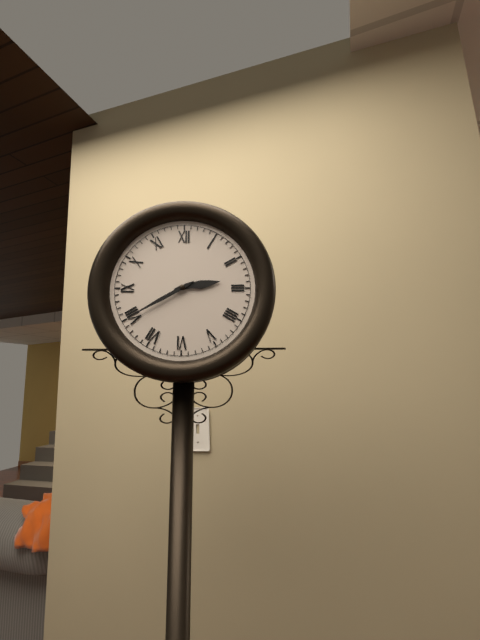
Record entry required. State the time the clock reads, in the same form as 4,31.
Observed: 2,40
